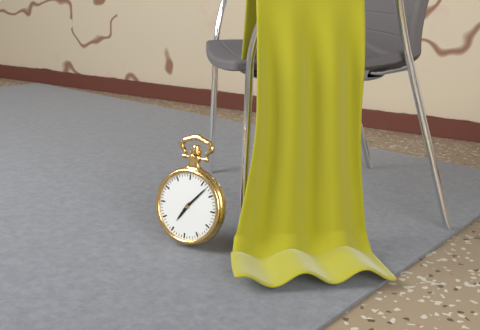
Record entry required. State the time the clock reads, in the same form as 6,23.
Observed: 7,07
